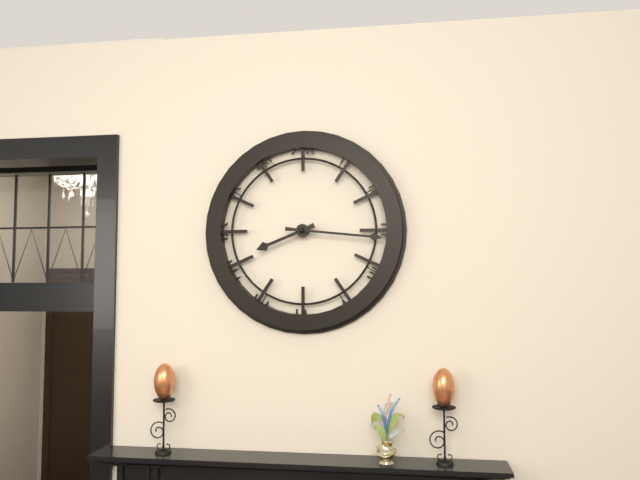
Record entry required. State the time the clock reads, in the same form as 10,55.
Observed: 8,16
